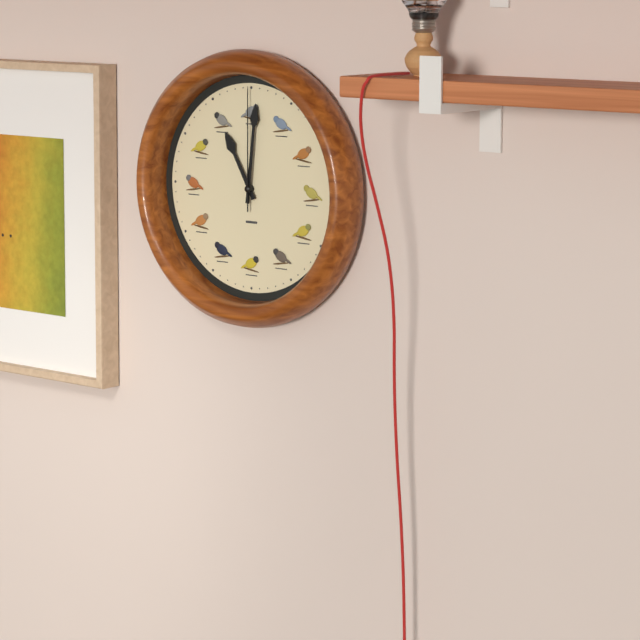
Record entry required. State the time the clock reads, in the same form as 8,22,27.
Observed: 11,01,00
